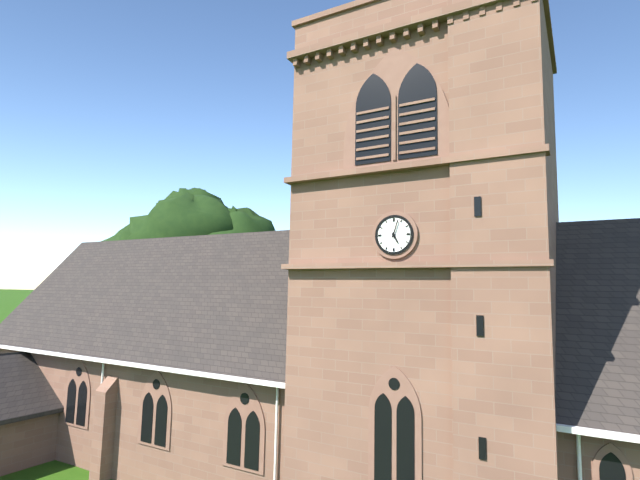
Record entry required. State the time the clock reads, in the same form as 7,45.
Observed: 5,03
